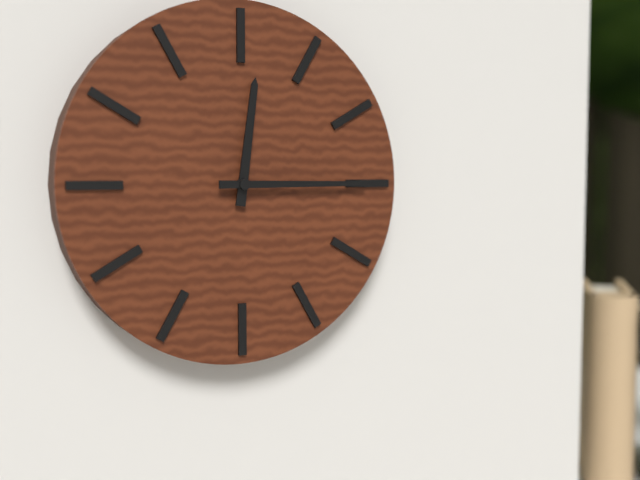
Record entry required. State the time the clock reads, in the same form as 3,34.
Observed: 12,15
